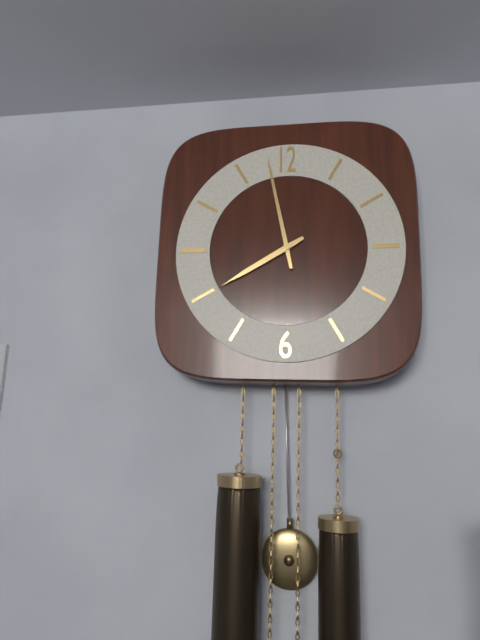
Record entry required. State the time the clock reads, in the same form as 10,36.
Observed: 7,58
